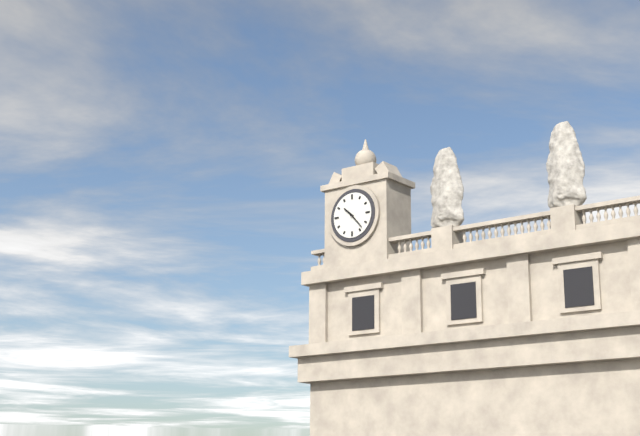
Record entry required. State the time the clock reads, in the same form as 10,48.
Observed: 10,23
